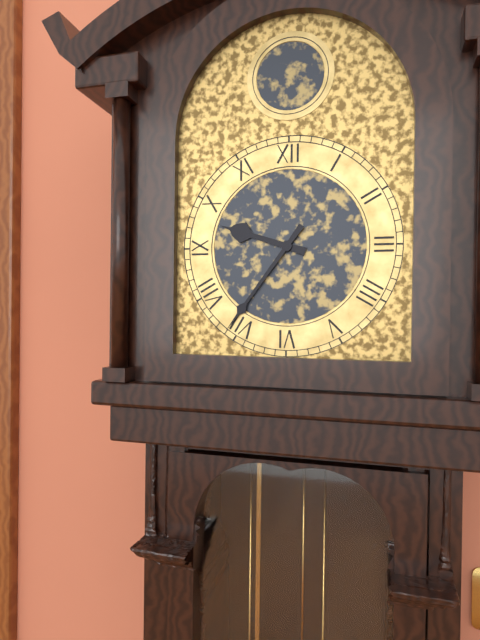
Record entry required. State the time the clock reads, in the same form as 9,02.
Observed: 9,36
